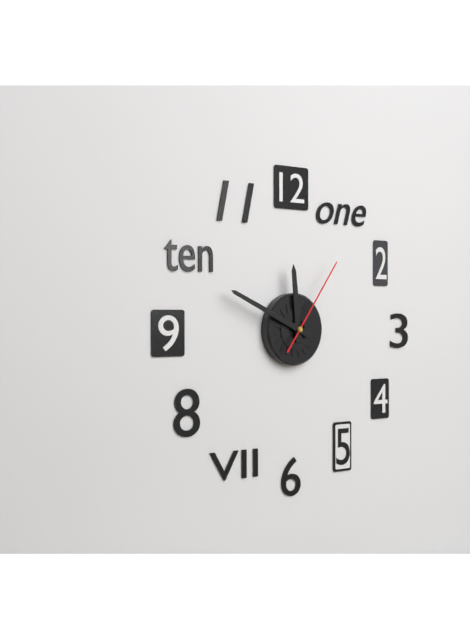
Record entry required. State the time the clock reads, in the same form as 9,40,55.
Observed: 11,49,06
